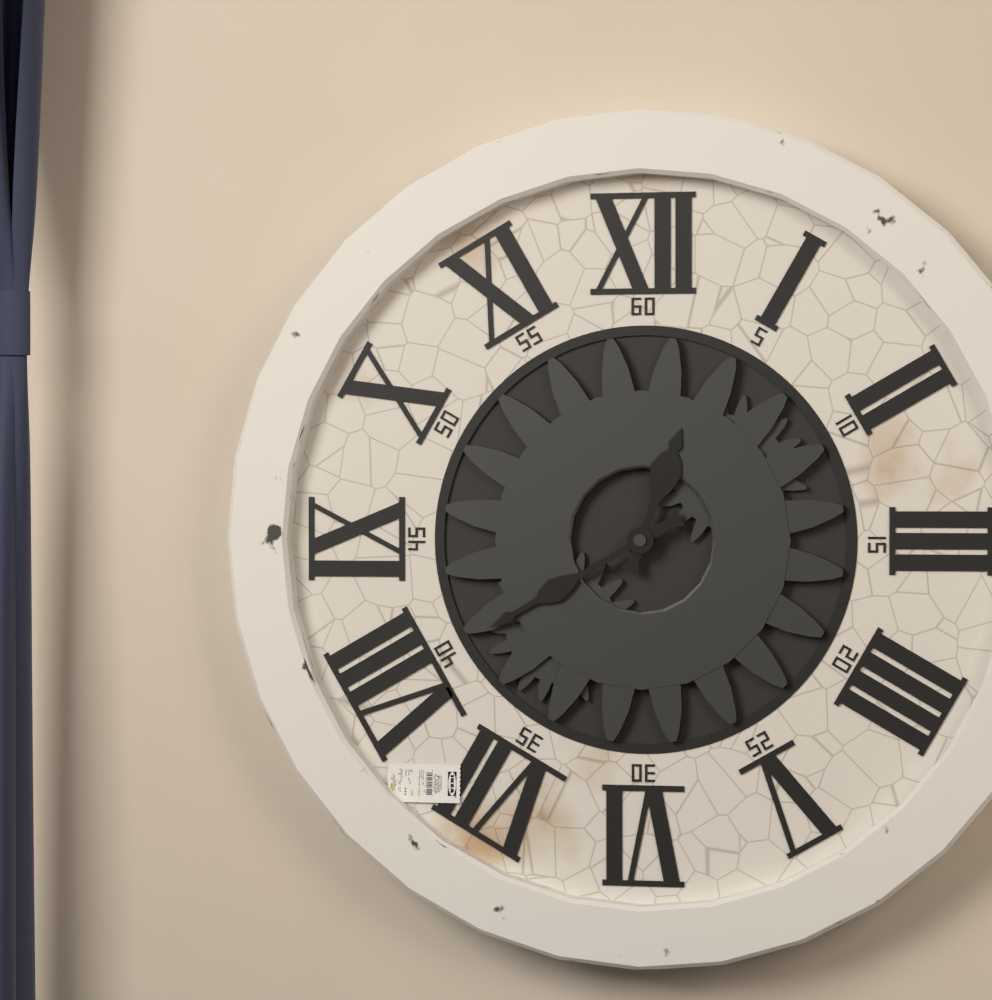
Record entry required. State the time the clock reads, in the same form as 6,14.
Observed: 12,40
